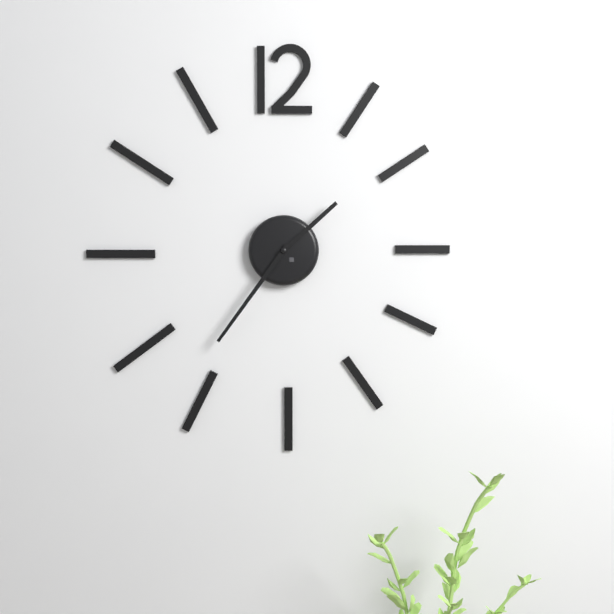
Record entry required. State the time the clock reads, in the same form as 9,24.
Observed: 1,36
